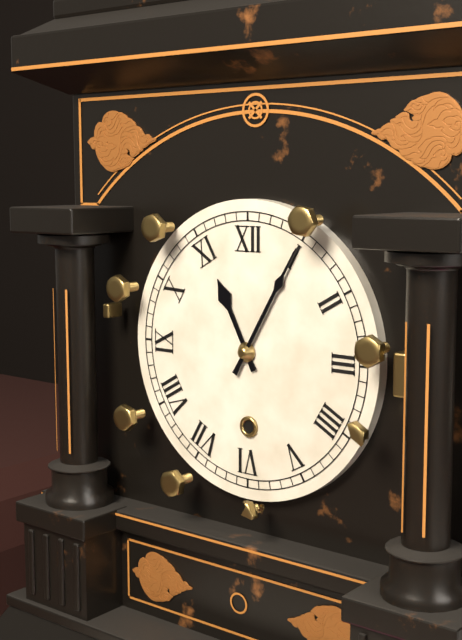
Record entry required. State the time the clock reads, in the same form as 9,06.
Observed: 11,05
